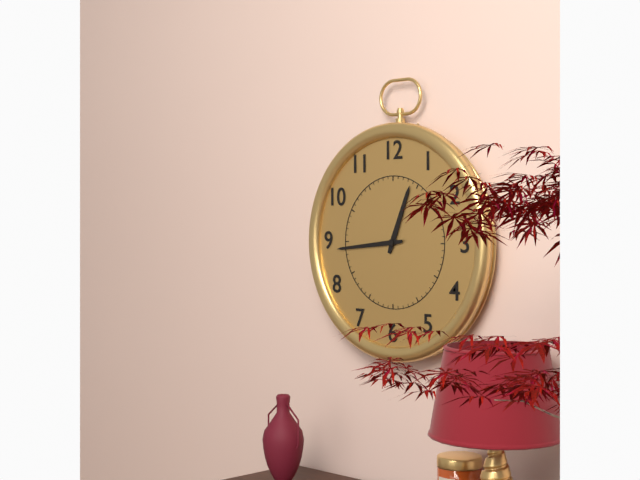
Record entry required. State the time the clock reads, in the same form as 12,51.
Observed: 12,44
